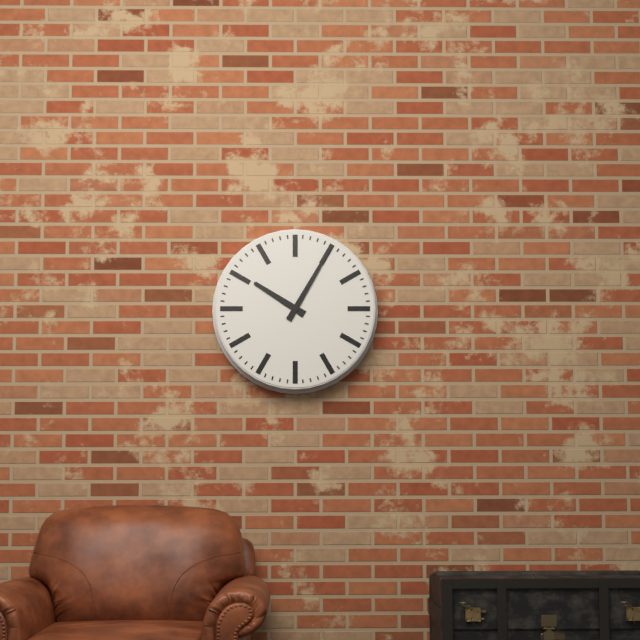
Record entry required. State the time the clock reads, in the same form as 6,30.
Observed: 10,05
